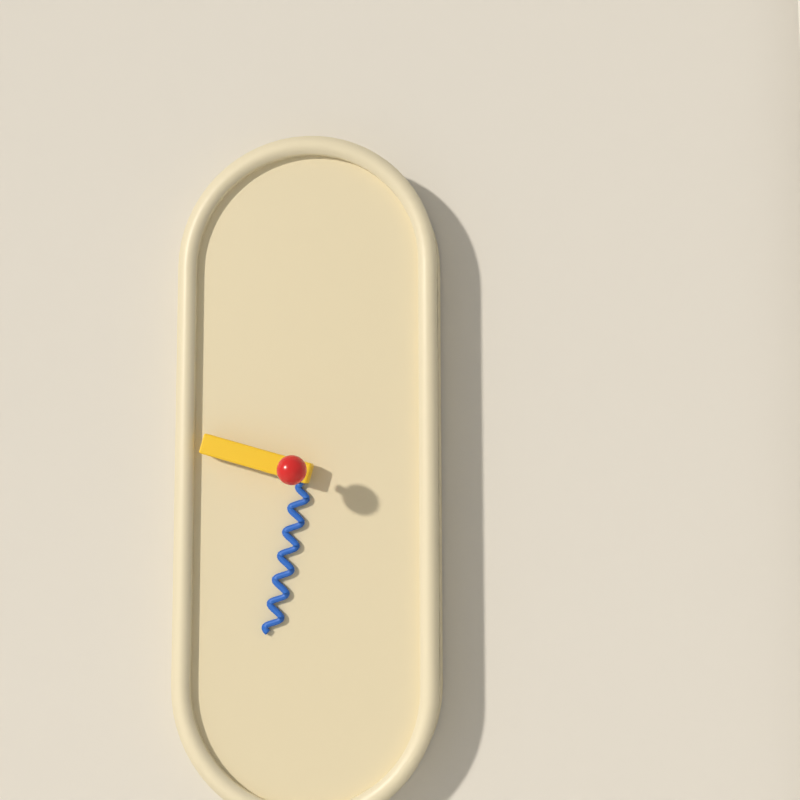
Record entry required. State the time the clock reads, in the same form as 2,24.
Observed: 9,32
